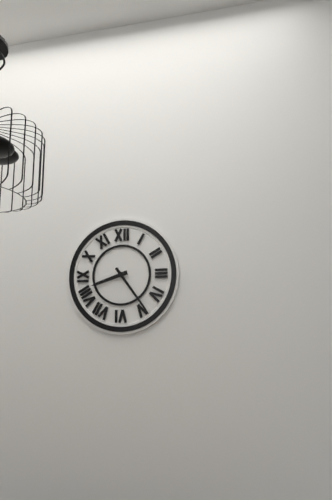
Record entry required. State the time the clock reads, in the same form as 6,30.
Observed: 8,24
